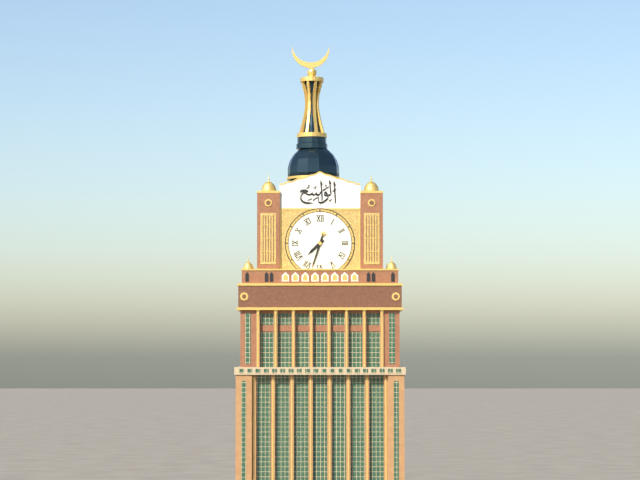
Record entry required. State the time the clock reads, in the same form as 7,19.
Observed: 7,33
